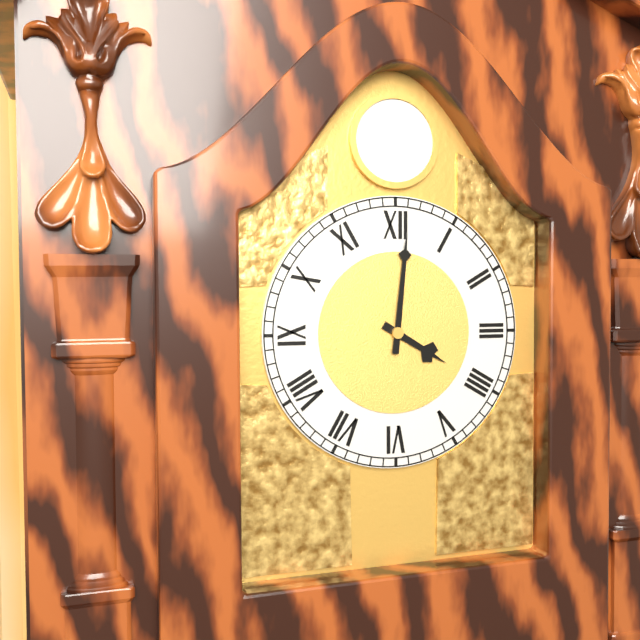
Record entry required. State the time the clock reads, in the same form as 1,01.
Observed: 4,01
